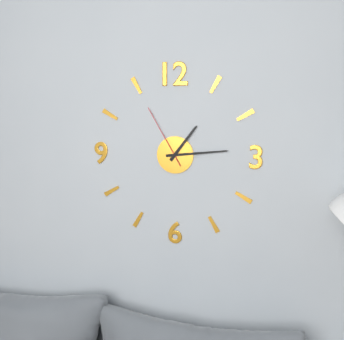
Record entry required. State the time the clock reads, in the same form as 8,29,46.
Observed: 1,14,55
